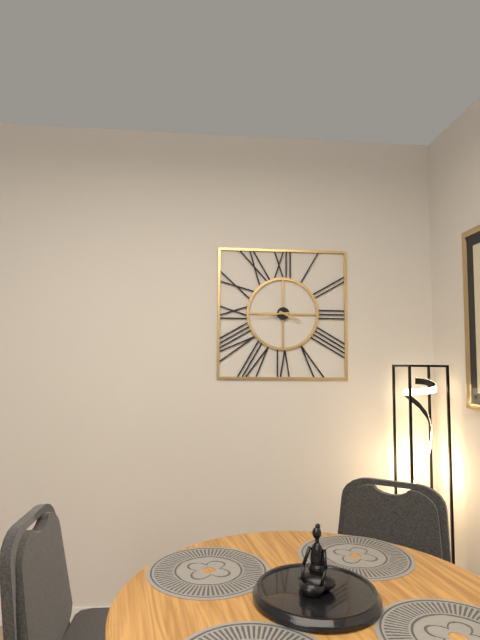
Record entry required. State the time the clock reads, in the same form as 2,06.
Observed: 3,44
